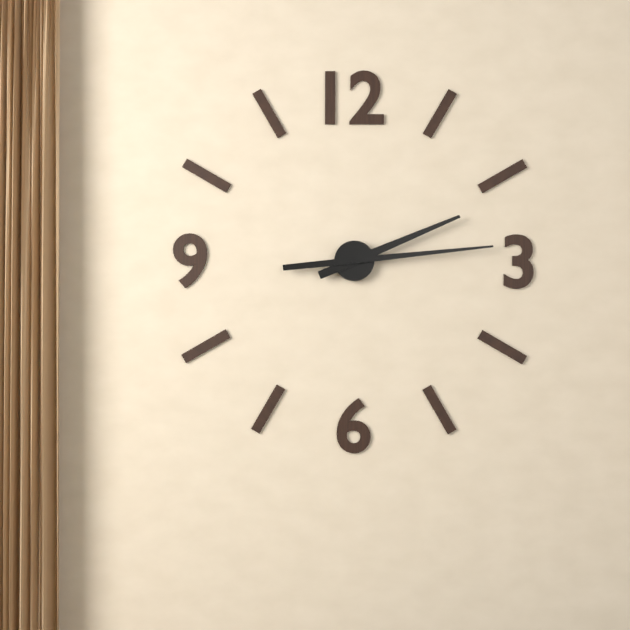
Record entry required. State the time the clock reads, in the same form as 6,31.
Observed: 2,14
